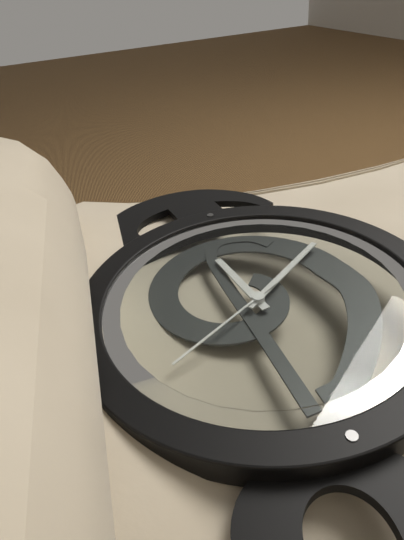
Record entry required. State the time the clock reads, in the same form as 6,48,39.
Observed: 5,39,10
